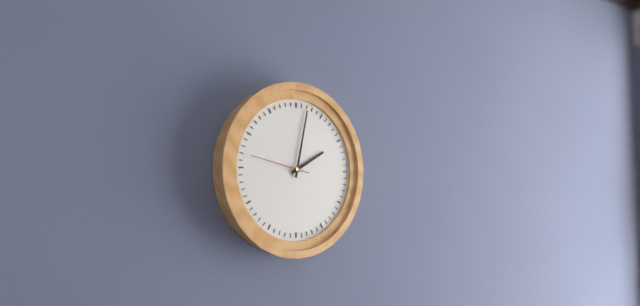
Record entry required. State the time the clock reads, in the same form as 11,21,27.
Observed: 2,02,47
